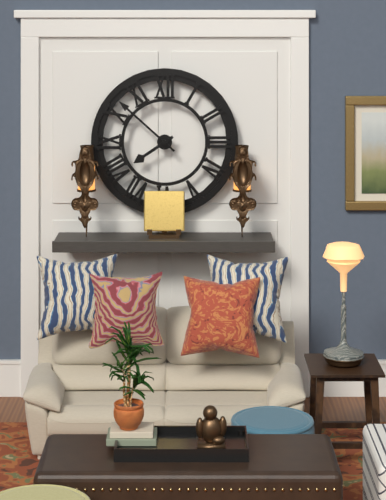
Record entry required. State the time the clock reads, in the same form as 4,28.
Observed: 7,52
